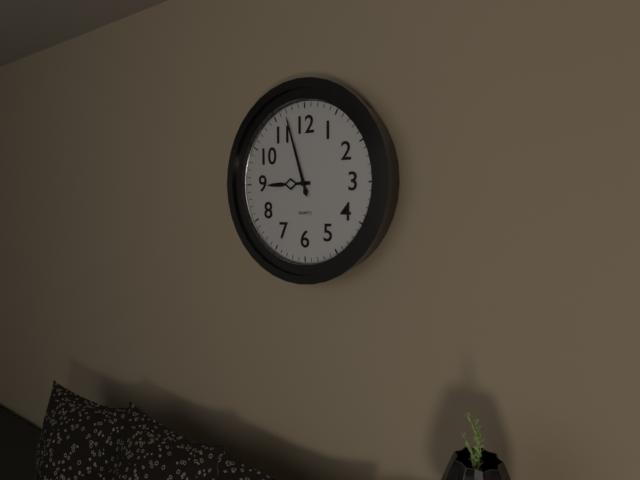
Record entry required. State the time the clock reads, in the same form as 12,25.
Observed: 8,57
